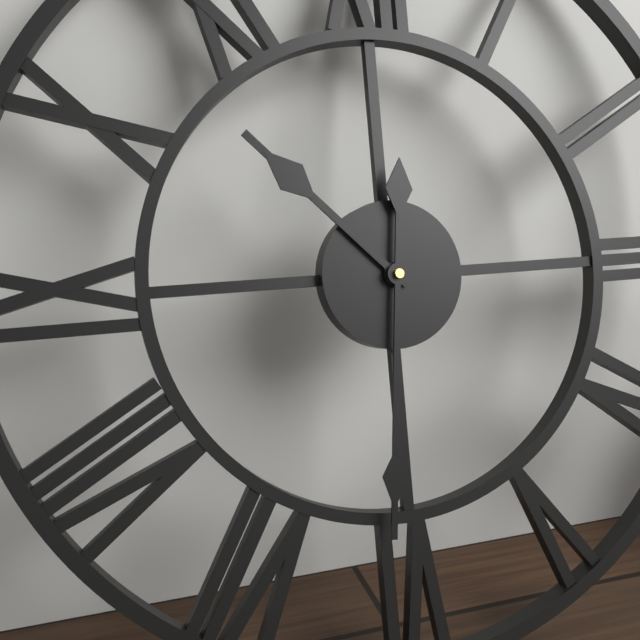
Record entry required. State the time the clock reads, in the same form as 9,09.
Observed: 10,31
